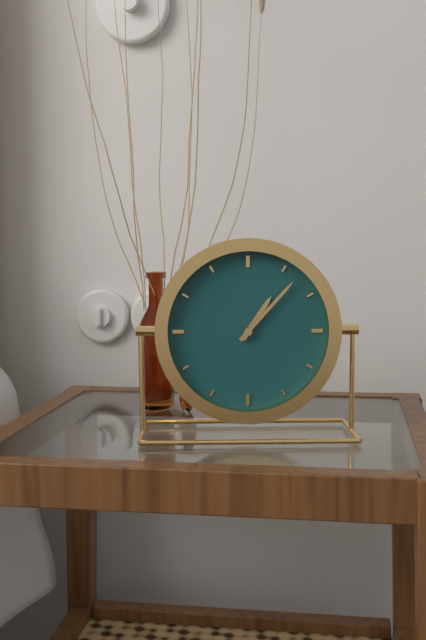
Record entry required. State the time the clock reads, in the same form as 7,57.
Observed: 1,07
